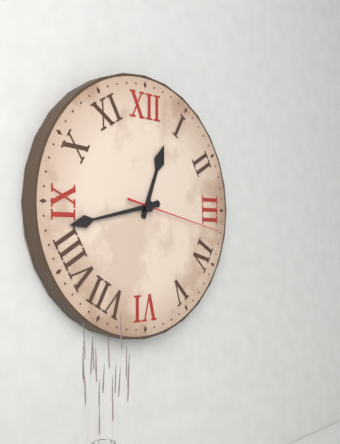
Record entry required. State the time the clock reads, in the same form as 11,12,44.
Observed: 12,43,17
